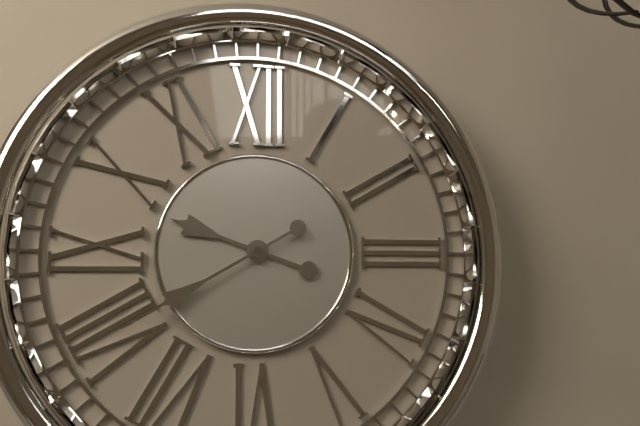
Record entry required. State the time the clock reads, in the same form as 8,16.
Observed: 9,40
